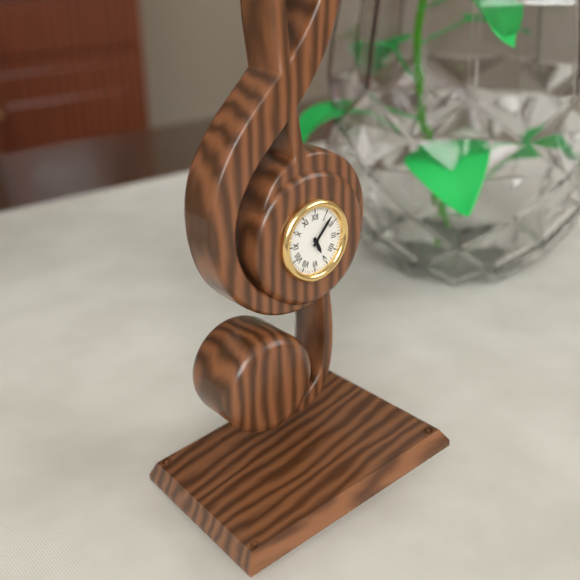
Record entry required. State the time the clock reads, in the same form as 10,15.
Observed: 5,07
